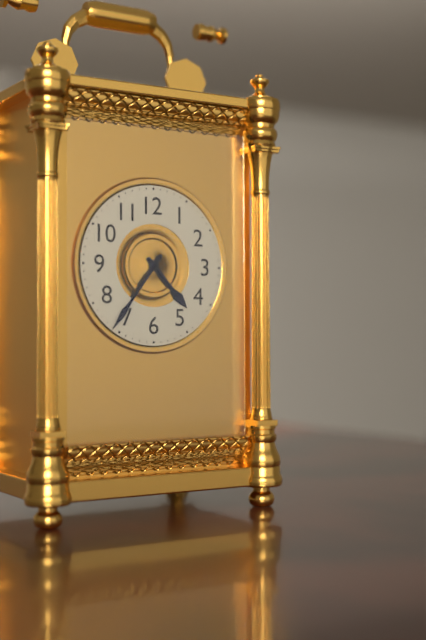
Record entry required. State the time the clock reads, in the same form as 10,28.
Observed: 4,36
